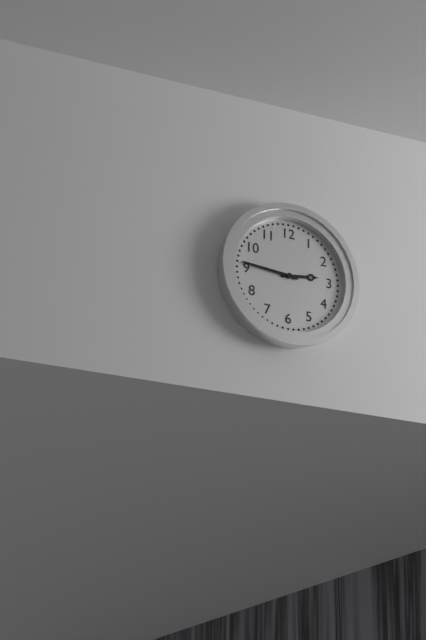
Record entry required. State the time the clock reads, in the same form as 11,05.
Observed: 2,46
